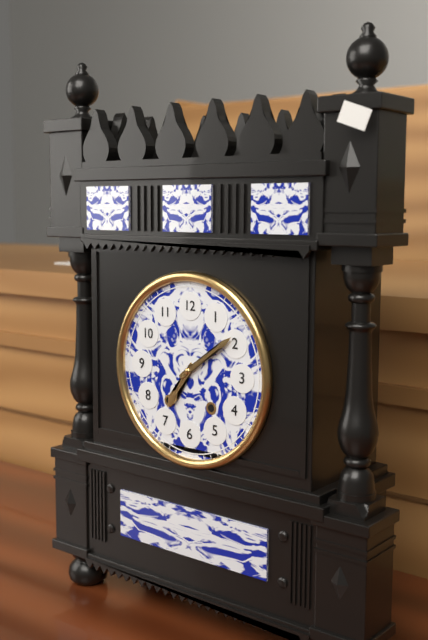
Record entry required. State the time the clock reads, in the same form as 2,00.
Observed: 7,09
